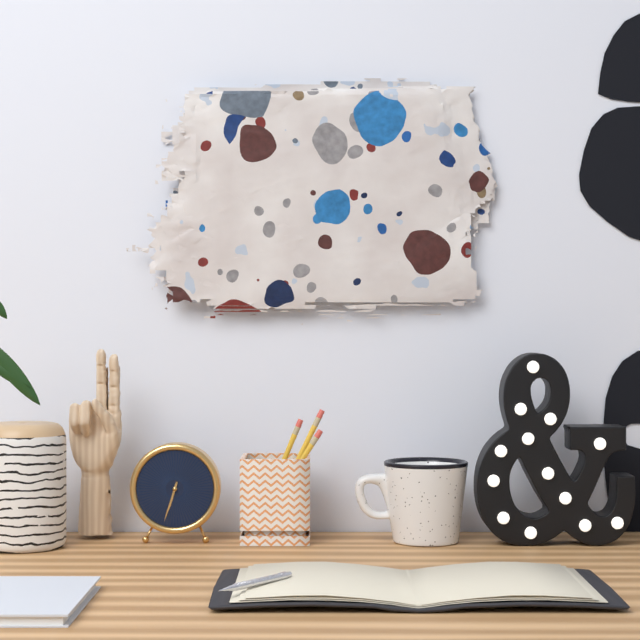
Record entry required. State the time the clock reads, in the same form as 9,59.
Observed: 6,33
